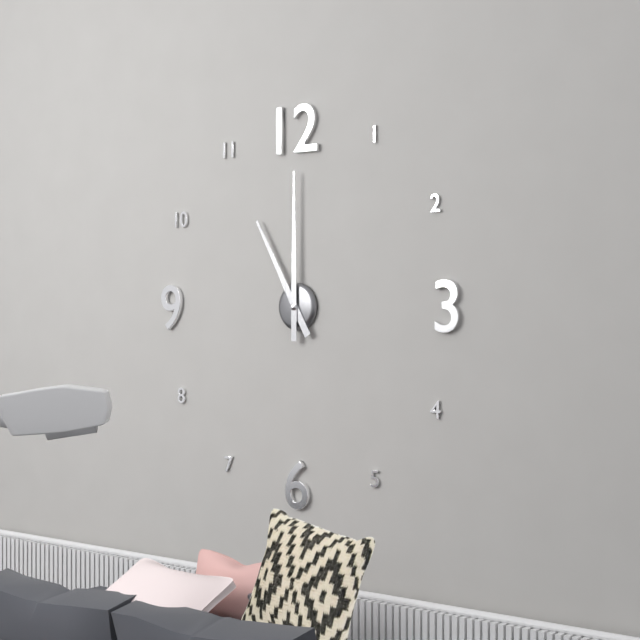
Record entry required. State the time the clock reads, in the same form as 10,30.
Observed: 11,00
